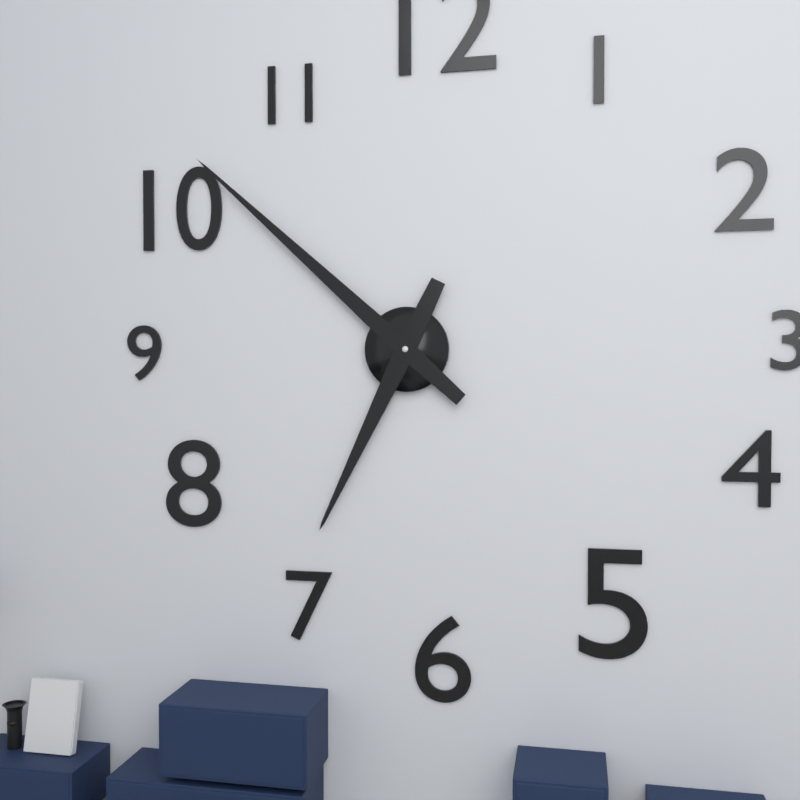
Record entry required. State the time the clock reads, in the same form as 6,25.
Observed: 6,52
